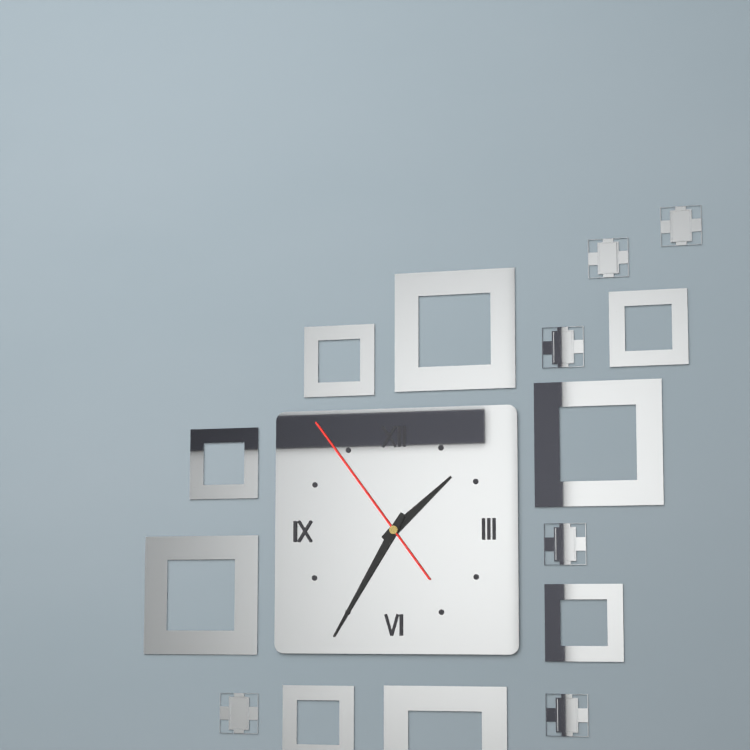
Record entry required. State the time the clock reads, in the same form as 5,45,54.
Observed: 1,35,54
